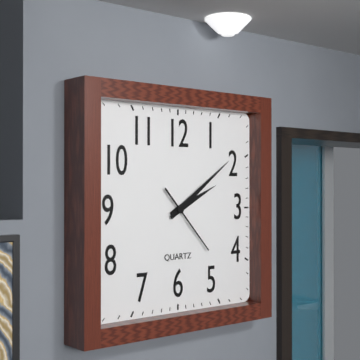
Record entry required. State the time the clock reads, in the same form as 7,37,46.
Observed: 2,09,23
